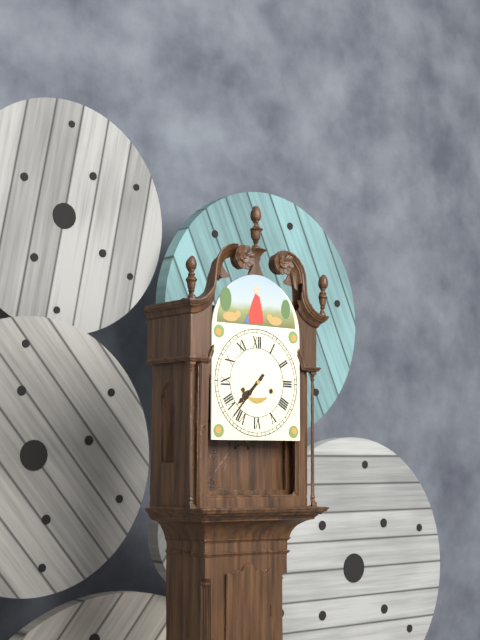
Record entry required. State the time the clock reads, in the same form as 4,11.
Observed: 7,37
